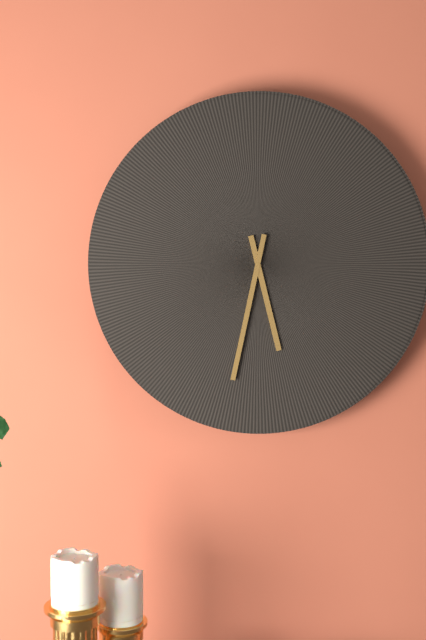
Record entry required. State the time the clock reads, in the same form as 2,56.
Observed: 5,32
